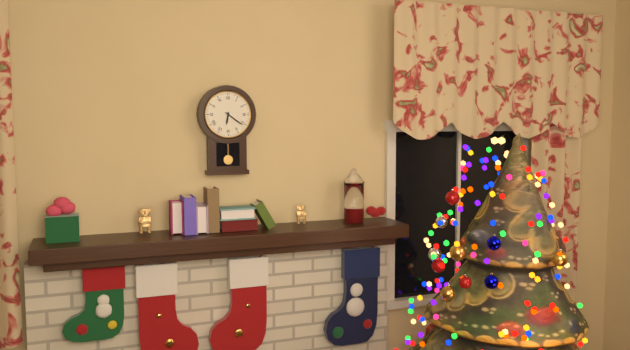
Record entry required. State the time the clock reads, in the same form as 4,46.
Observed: 6,21
